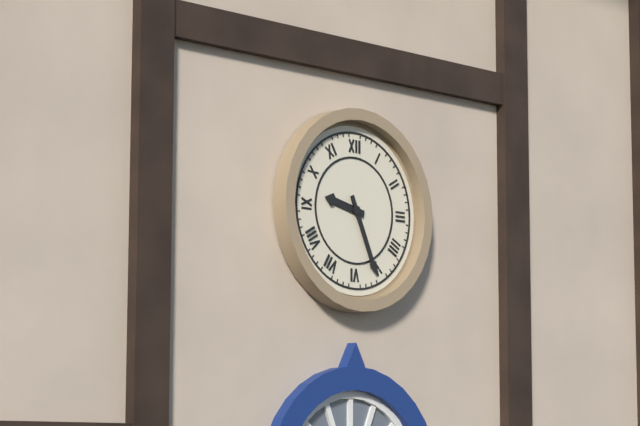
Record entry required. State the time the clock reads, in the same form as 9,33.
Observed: 9,26
